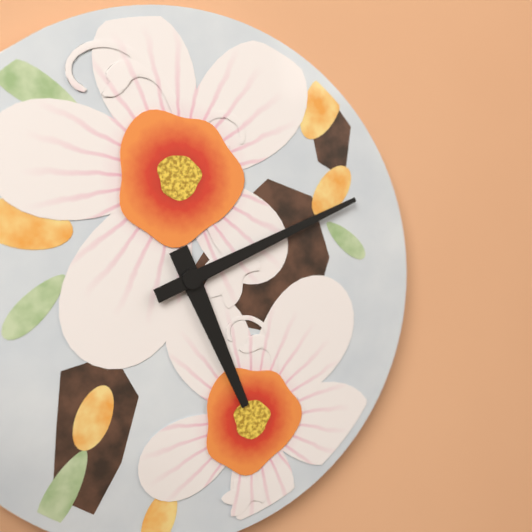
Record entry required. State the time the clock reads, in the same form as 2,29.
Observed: 5,11
